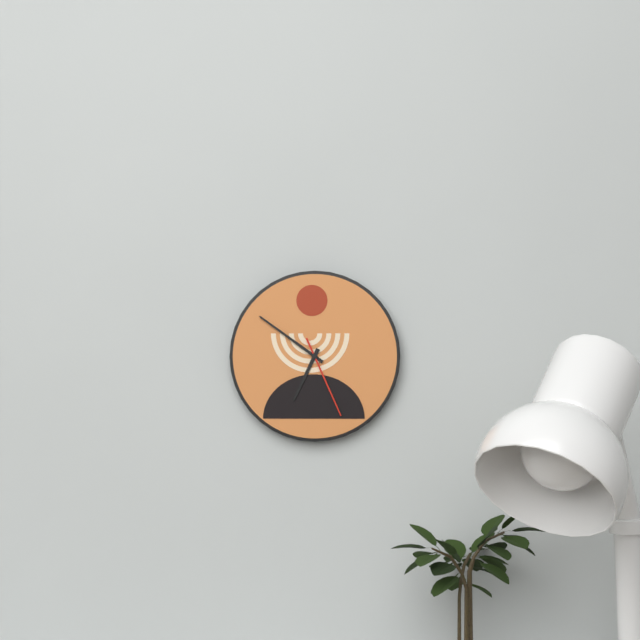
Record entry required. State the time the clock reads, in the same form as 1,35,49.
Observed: 6,51,26
